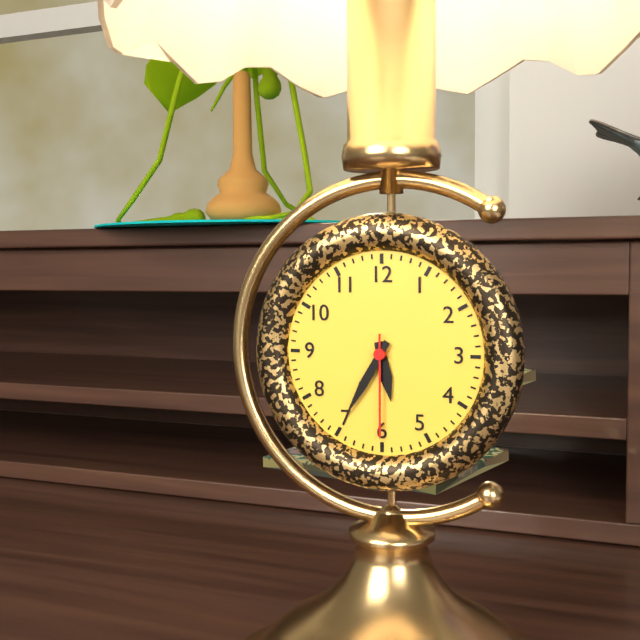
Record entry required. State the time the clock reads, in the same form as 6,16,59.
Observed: 5,35,30
